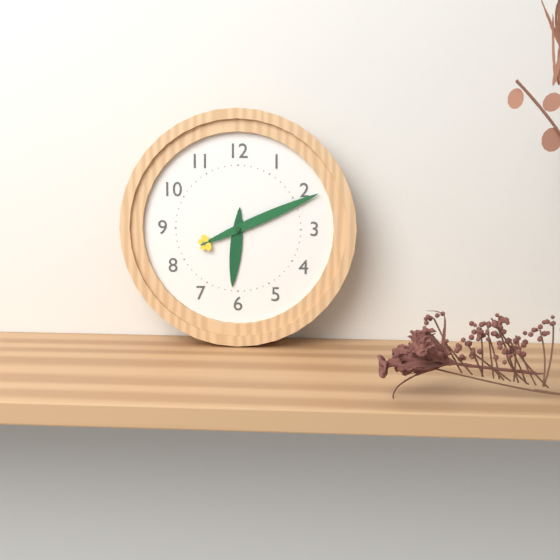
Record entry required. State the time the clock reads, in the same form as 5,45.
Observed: 6,11
